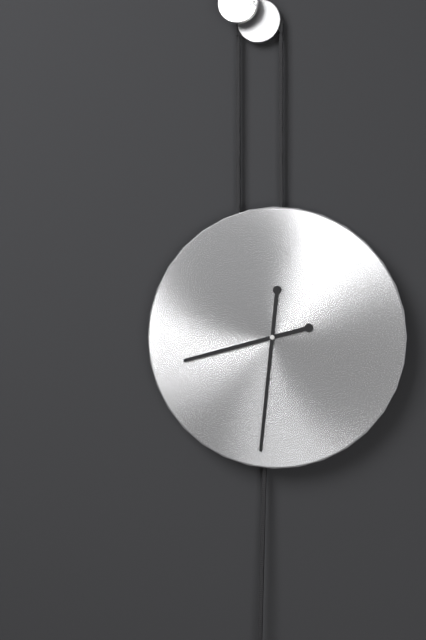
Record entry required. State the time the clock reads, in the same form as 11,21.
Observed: 8,31
